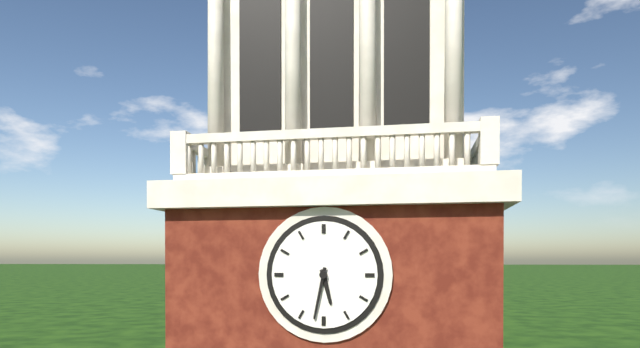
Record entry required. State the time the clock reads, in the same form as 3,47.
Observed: 5,32
